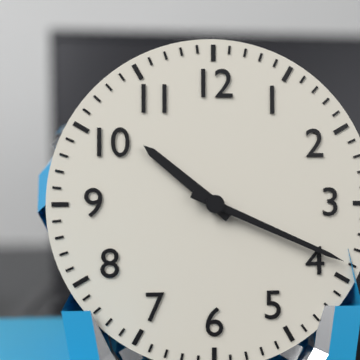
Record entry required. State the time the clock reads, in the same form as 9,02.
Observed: 10,19
